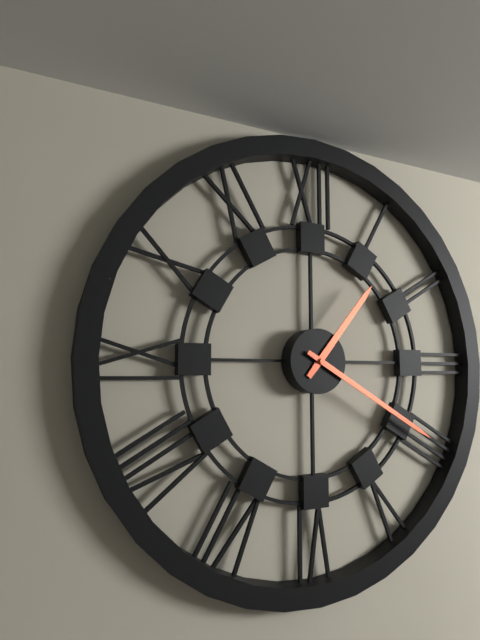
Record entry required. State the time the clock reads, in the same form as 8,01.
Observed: 1,20
